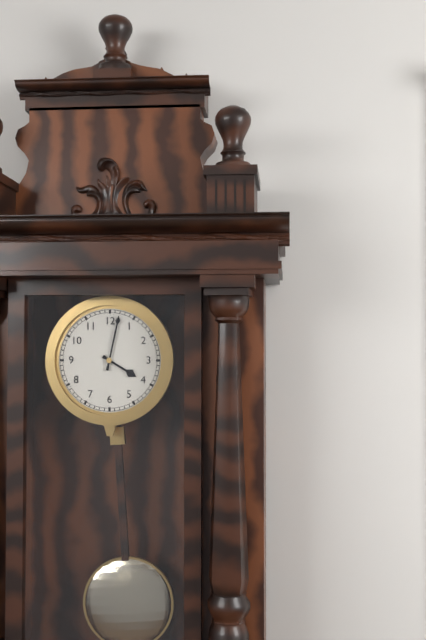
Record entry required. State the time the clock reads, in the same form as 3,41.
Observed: 4,02
